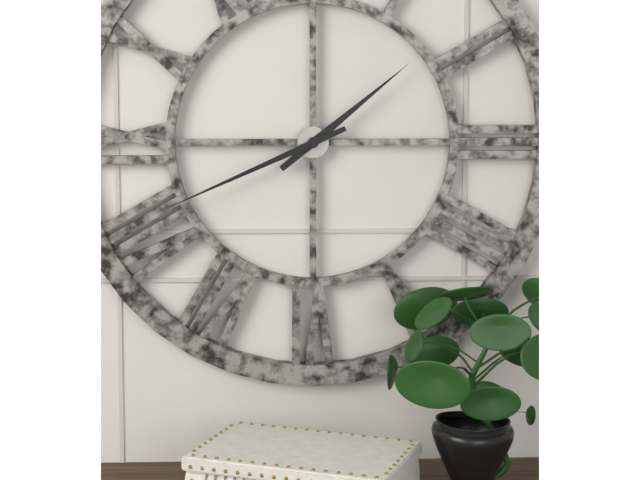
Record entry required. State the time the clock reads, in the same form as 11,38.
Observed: 1,41
